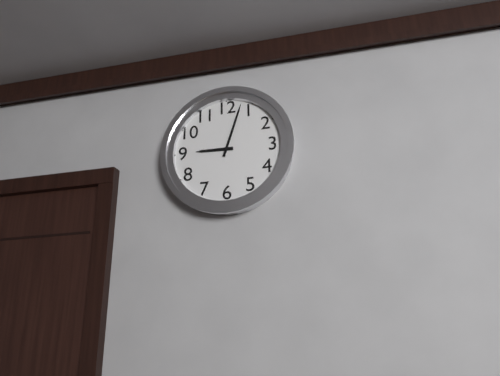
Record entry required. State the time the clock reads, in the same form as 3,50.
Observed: 9,03
